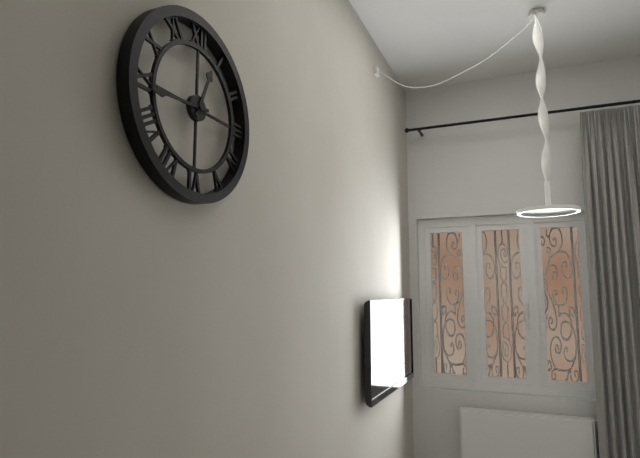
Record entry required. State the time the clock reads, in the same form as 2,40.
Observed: 12,44
